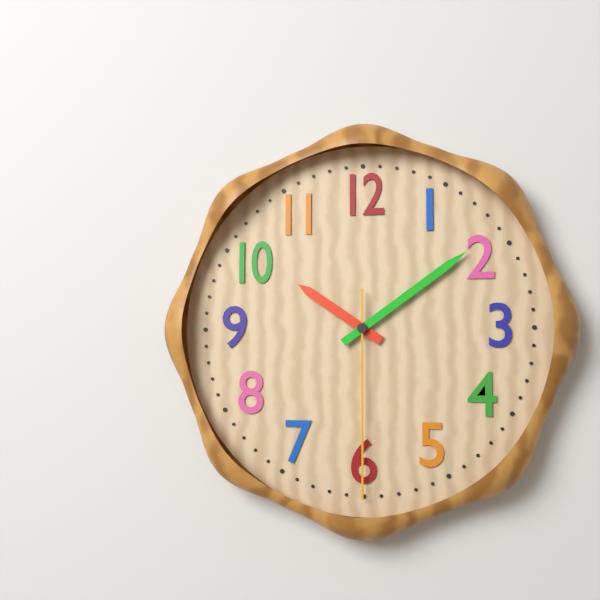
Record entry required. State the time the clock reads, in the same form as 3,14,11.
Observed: 10,09,30
